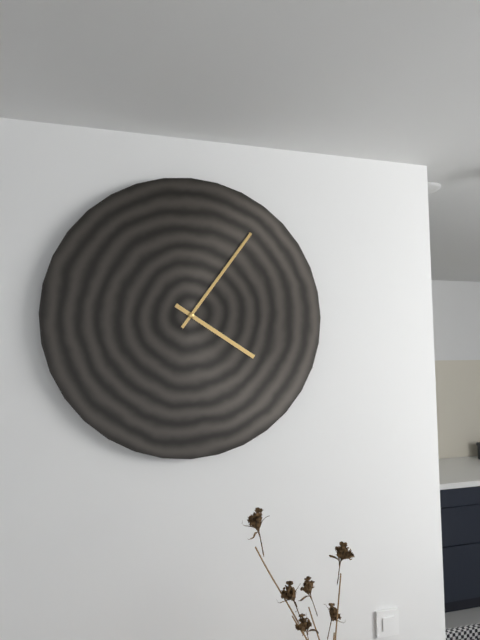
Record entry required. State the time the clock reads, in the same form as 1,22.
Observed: 4,06
